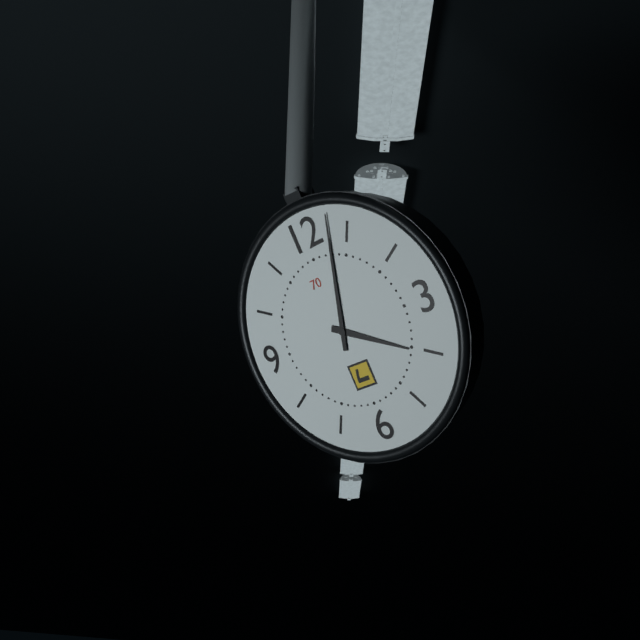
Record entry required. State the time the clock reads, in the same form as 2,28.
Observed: 4,03
